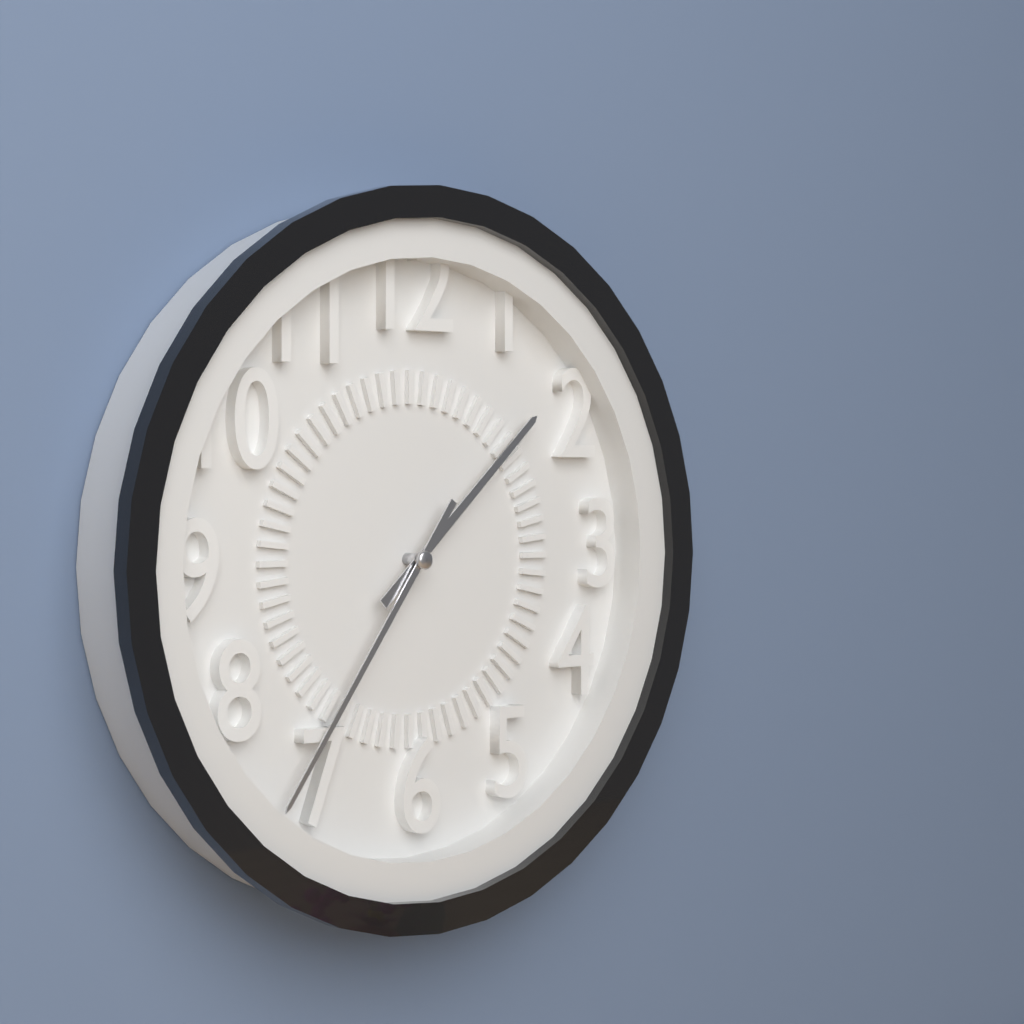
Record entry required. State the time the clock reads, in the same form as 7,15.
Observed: 1,36
